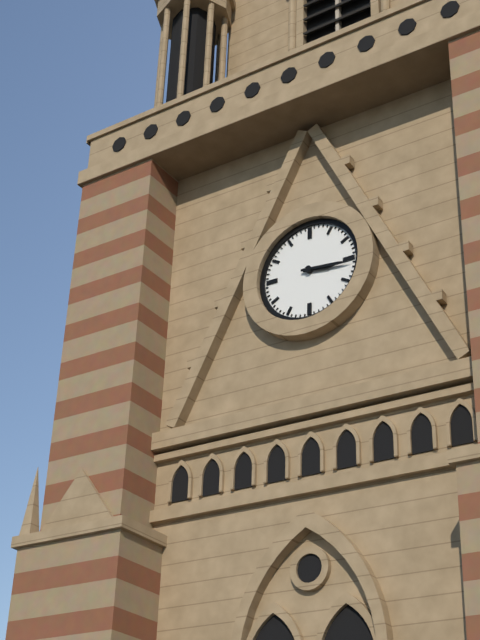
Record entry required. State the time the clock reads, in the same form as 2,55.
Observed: 3,16
